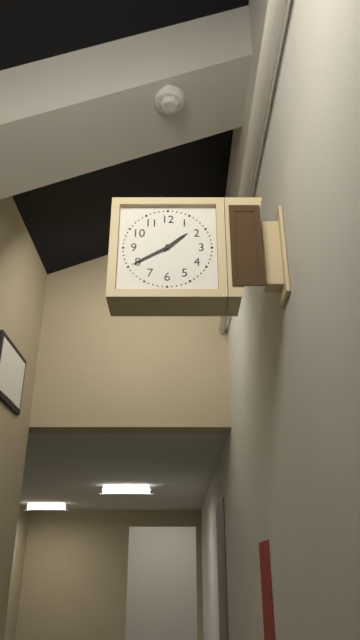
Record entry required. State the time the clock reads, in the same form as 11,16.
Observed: 1,40
